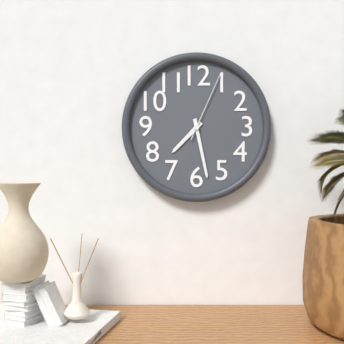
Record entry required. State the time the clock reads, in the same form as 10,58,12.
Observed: 7,28,04
